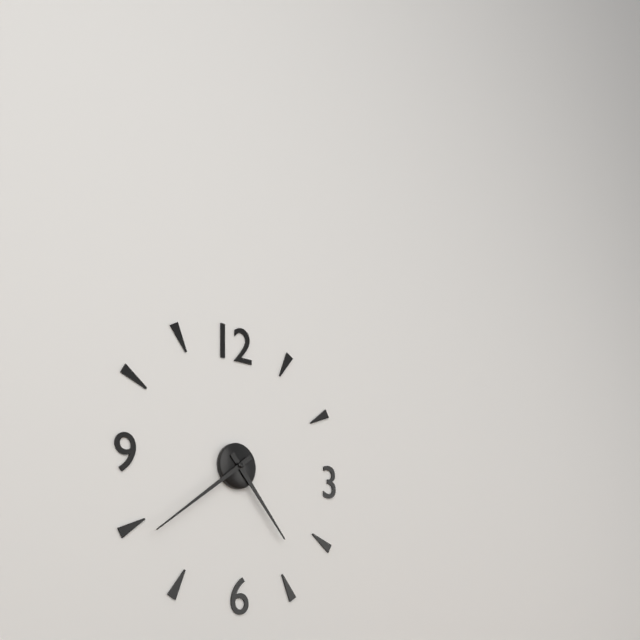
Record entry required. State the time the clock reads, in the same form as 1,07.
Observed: 4,39
